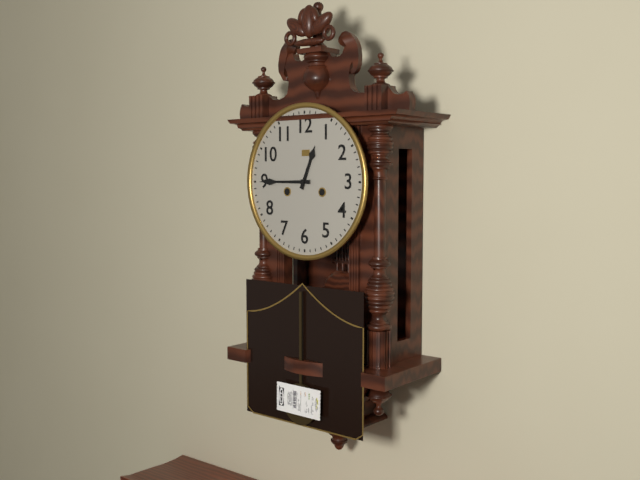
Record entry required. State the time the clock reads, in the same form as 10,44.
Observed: 12,45
